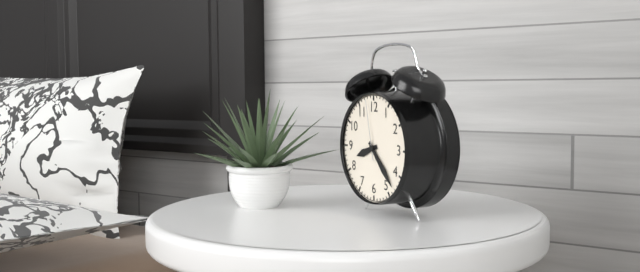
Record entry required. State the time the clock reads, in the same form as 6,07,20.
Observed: 8,23,58
